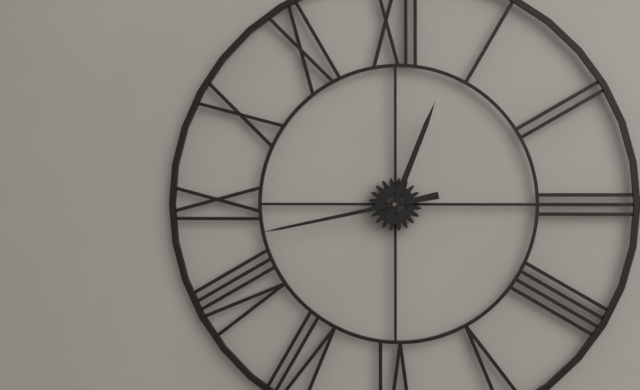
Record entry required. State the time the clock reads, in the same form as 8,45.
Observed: 12,43
